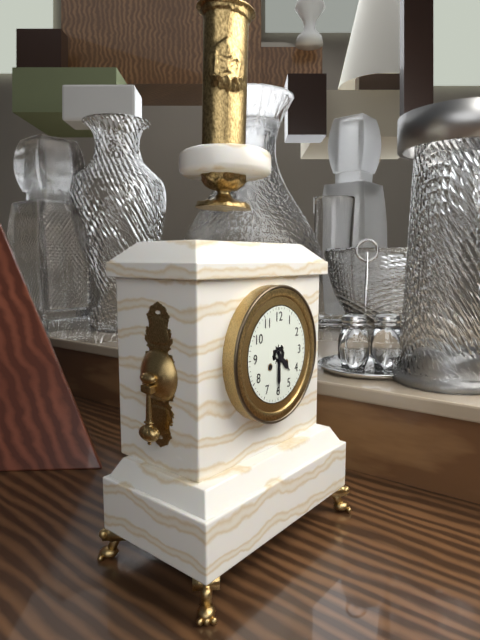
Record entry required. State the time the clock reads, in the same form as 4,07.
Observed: 4,30
